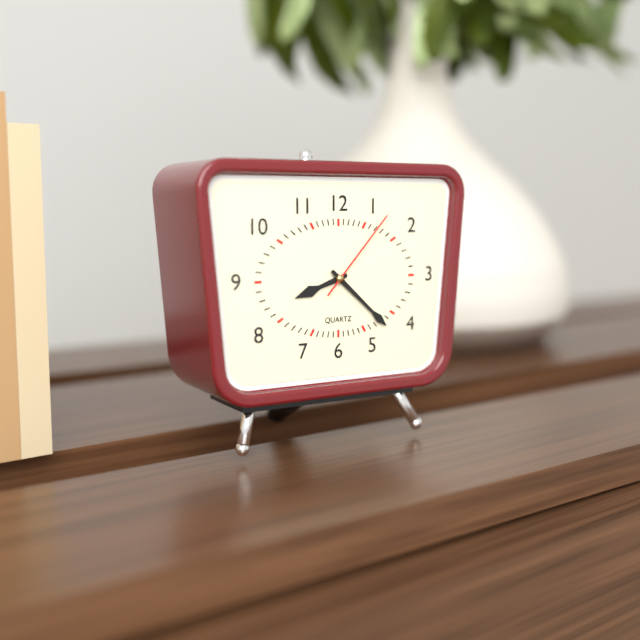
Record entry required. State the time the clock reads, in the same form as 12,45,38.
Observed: 8,22,07
